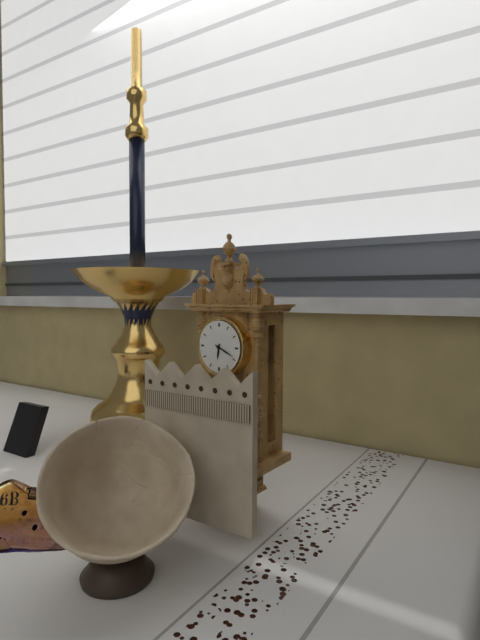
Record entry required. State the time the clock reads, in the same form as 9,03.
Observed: 6,19
